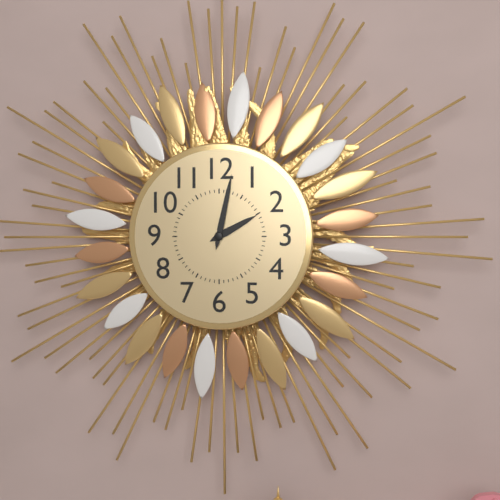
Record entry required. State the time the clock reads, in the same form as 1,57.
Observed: 2,02
